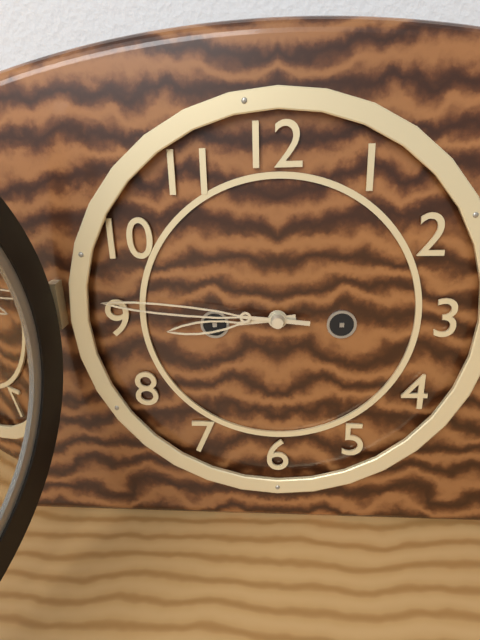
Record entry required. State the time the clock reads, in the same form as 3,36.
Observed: 8,46
